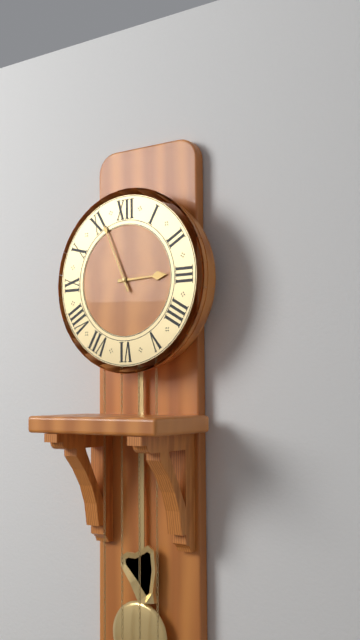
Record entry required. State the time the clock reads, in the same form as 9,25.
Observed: 2,56
